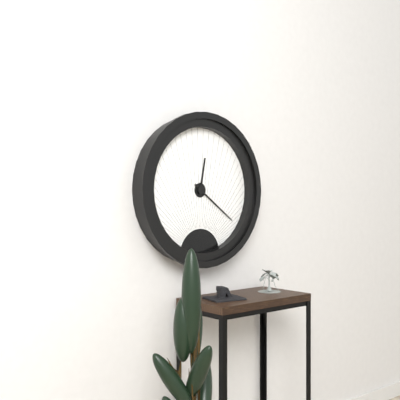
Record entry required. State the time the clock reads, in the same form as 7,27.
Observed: 12,21
